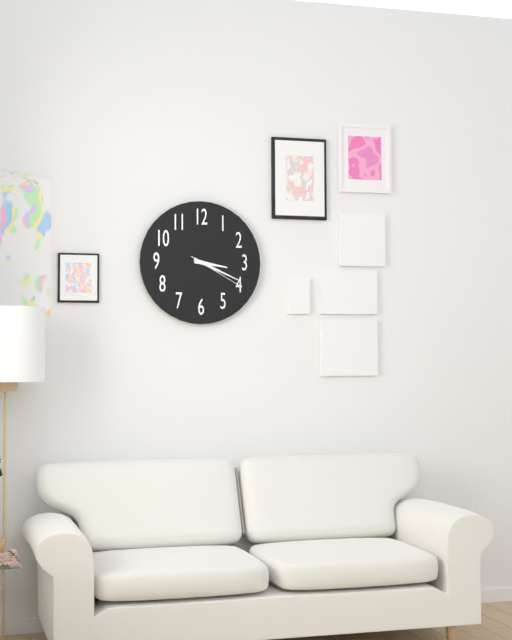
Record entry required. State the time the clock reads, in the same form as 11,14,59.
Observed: 3,19,20
